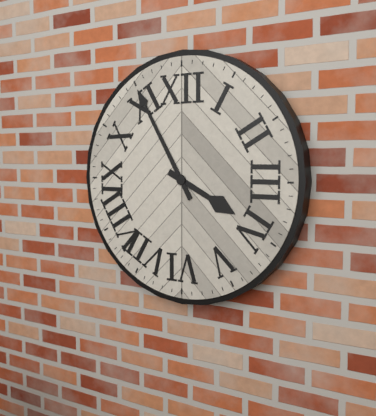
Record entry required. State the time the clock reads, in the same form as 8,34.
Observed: 3,55
